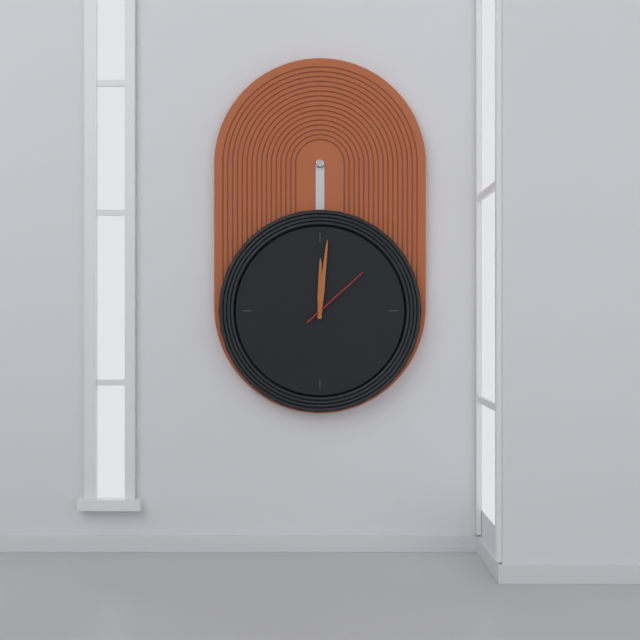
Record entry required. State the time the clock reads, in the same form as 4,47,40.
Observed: 12,01,08
